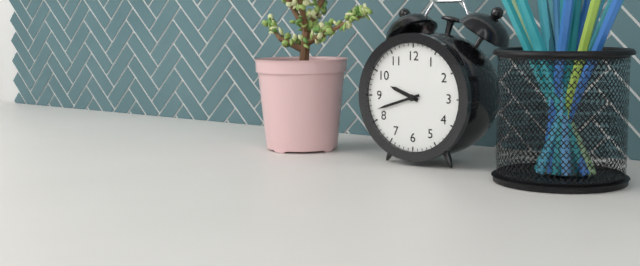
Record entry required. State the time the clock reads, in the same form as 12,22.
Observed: 9,42
